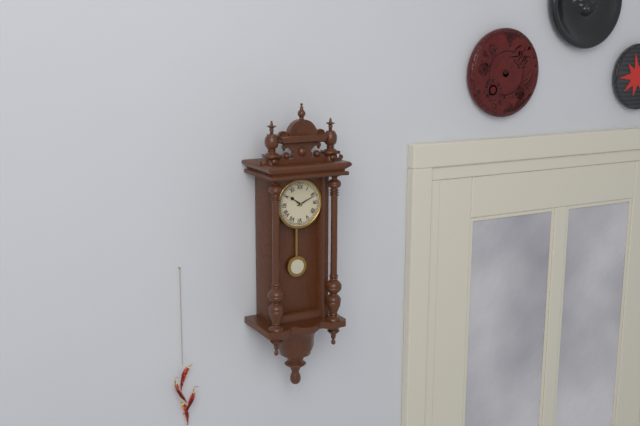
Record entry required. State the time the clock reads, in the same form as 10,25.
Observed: 10,11
